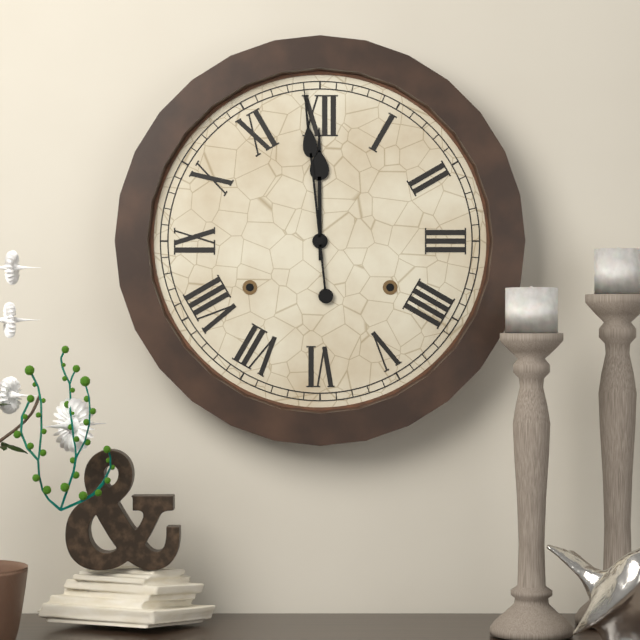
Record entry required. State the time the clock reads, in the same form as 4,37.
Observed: 11,59
